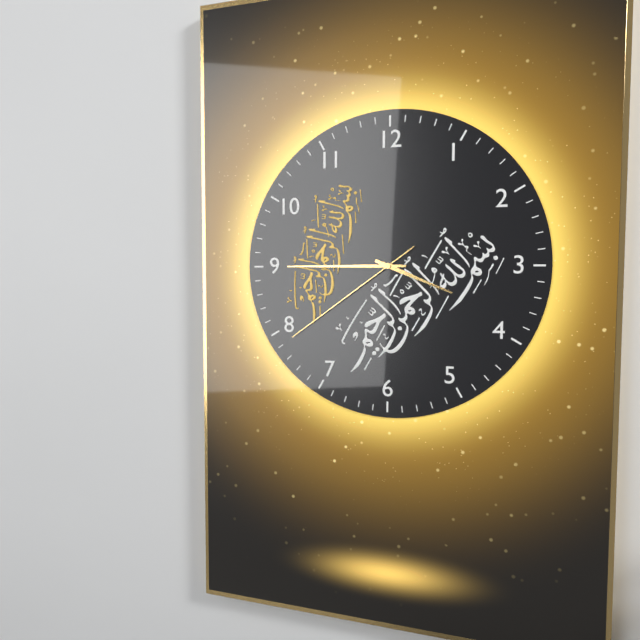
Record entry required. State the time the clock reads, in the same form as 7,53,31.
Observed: 3,45,39
